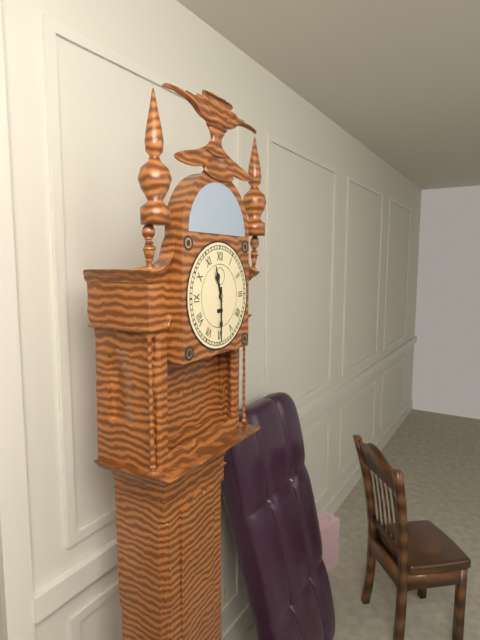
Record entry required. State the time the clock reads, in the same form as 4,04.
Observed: 11,30
